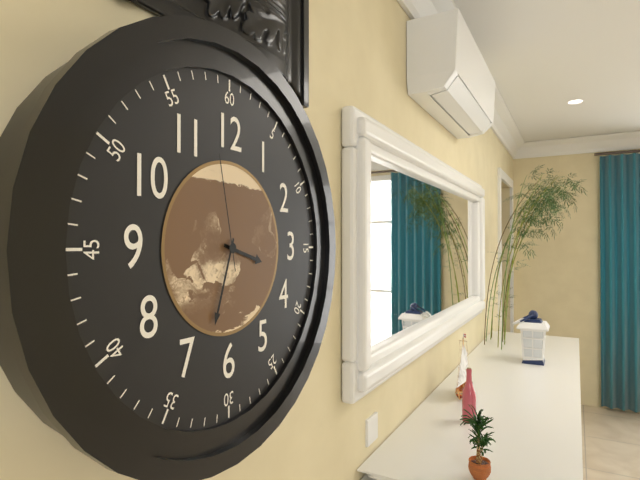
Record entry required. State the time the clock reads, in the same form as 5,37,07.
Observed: 3,33,58
